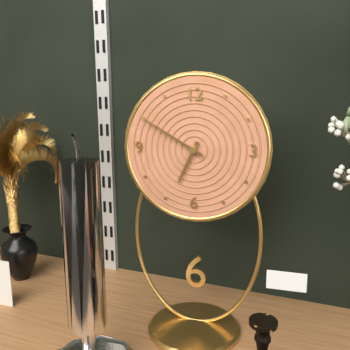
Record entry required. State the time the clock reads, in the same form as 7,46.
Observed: 6,50
